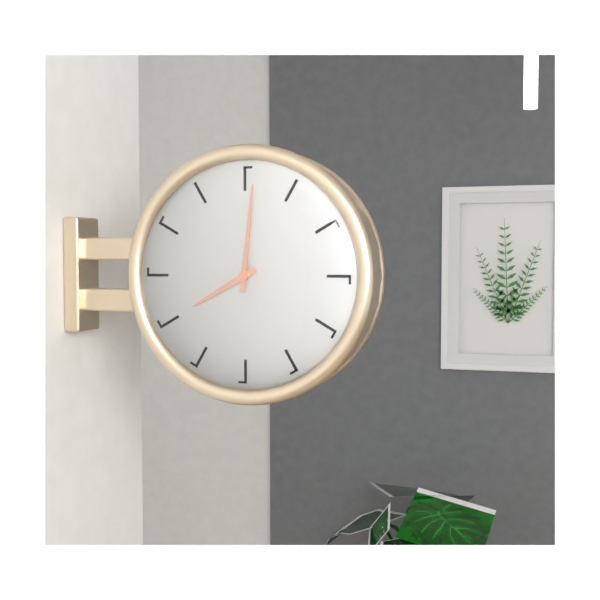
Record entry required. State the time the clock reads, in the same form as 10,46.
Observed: 8,01
